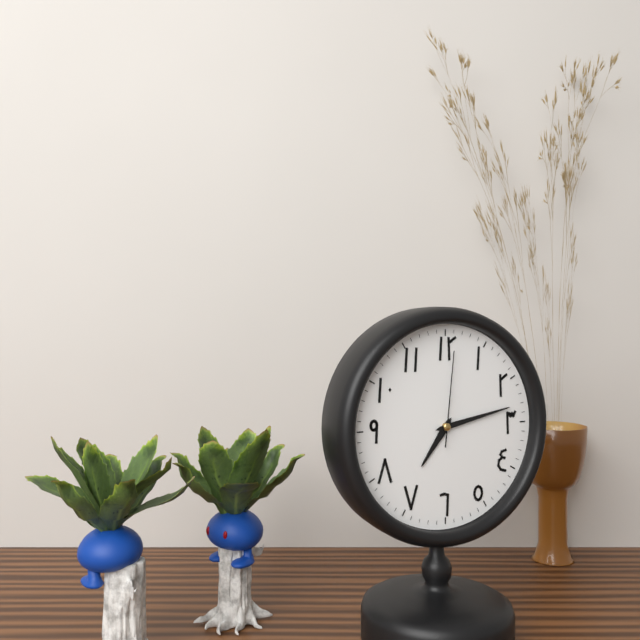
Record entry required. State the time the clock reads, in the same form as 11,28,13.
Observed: 7,13,01
